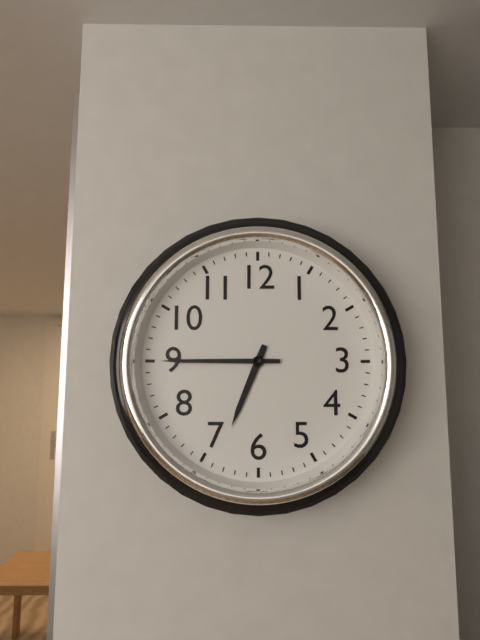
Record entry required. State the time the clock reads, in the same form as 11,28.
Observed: 6,45
